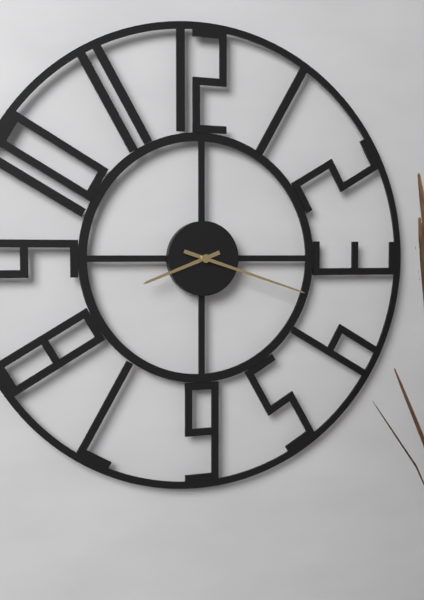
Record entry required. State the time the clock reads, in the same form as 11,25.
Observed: 8,18
